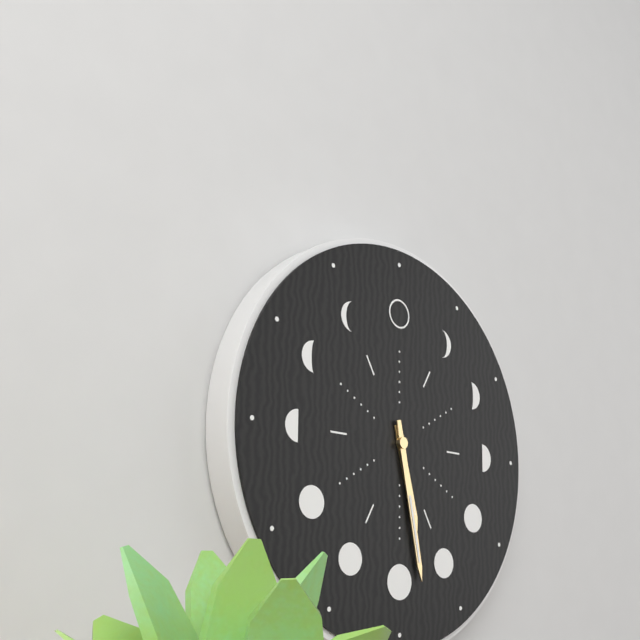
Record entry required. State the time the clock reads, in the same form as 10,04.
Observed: 5,28
